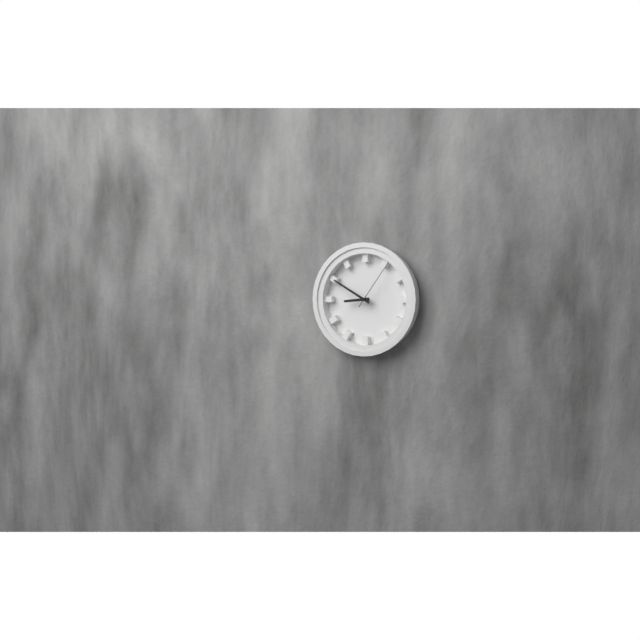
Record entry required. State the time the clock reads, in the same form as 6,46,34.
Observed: 8,50,06
